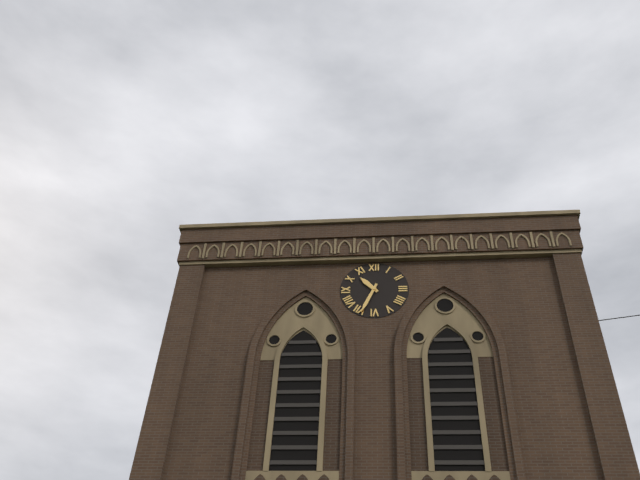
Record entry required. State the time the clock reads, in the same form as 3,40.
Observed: 10,34
